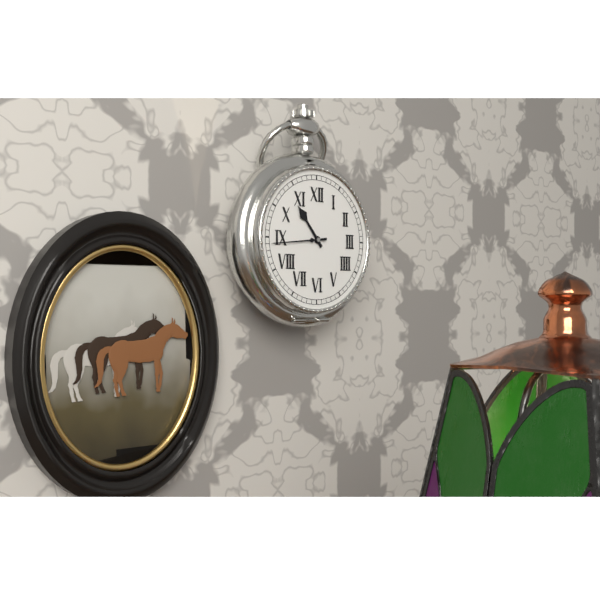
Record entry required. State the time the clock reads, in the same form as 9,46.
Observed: 10,44
